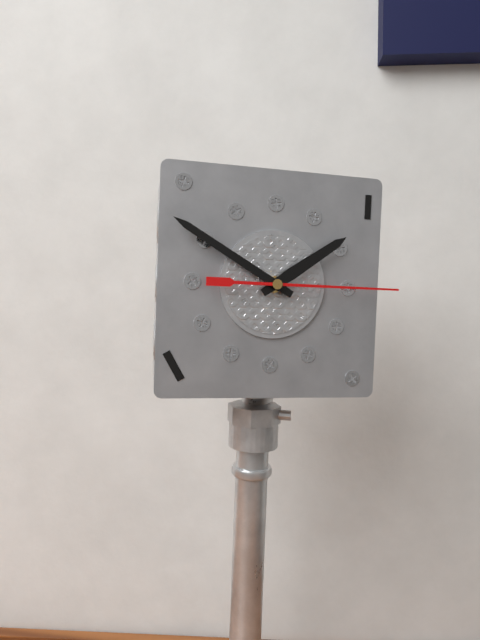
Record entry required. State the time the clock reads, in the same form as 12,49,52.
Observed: 1,50,15
